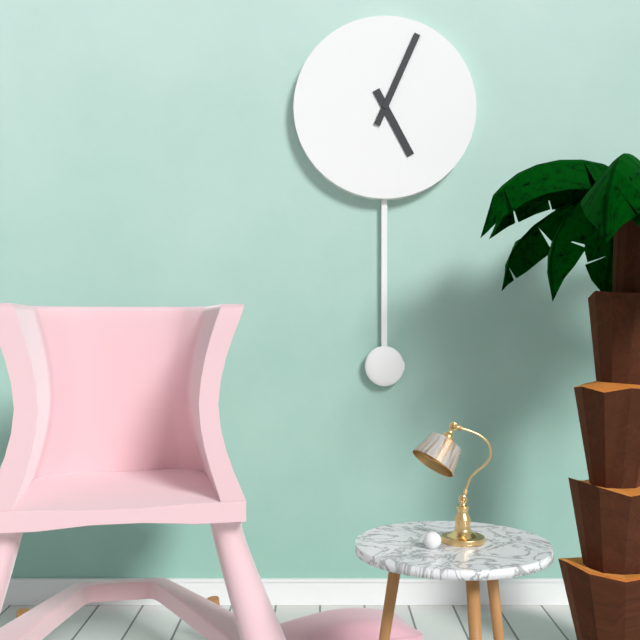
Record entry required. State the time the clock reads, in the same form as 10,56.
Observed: 5,04
